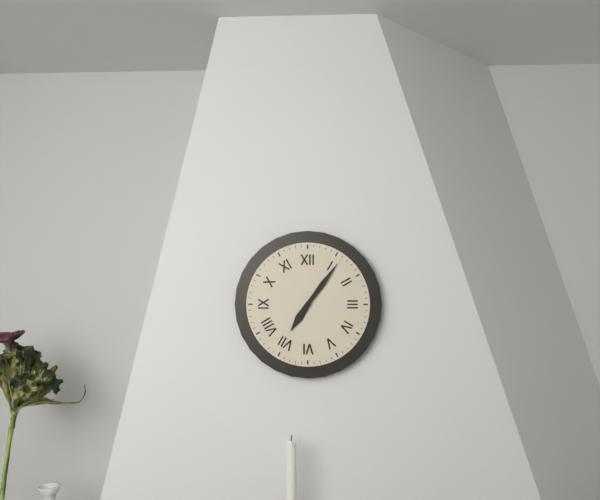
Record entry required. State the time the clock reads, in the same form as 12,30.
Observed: 7,06
